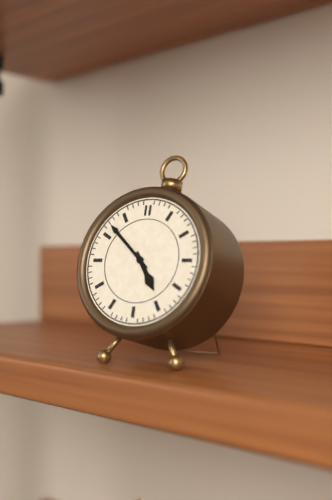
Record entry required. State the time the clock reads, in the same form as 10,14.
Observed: 4,52
